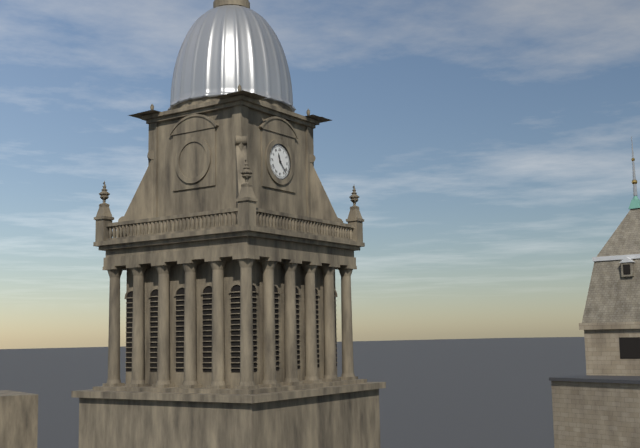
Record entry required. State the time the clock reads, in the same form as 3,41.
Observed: 11,23
